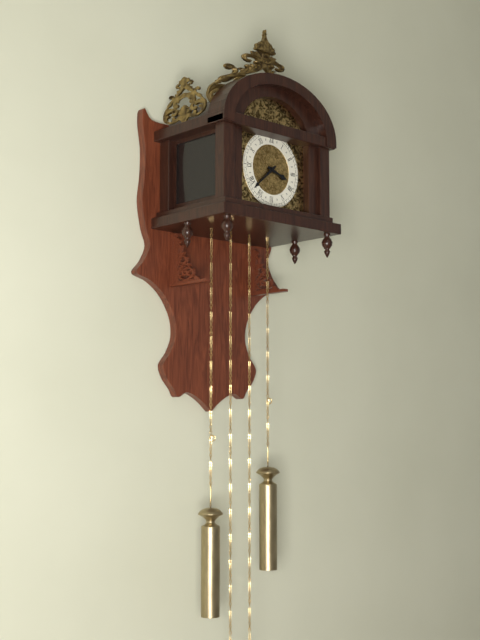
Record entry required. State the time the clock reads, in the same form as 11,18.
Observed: 3,38
